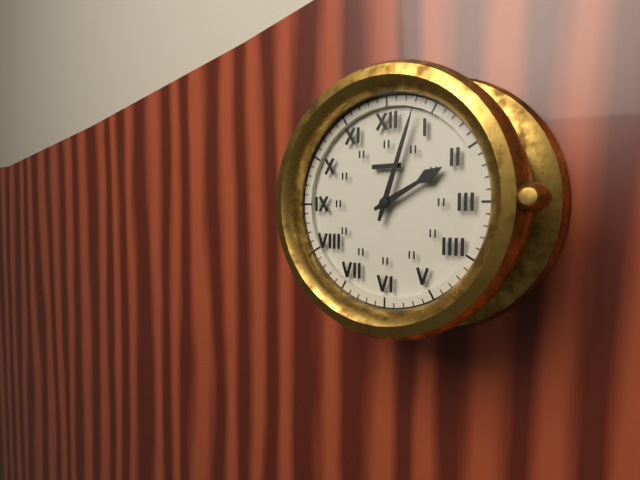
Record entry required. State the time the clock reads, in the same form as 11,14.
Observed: 2,03
